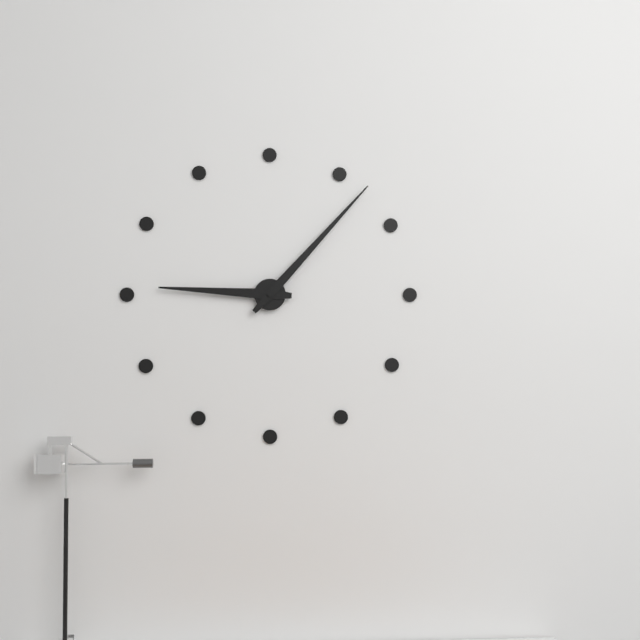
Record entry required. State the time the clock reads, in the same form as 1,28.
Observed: 9,07
